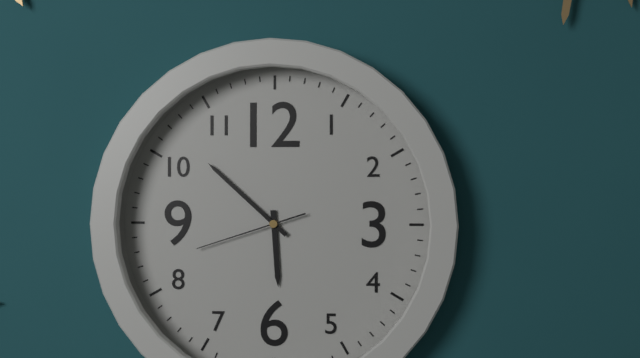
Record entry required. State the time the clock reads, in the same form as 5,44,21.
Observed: 5,52,42
